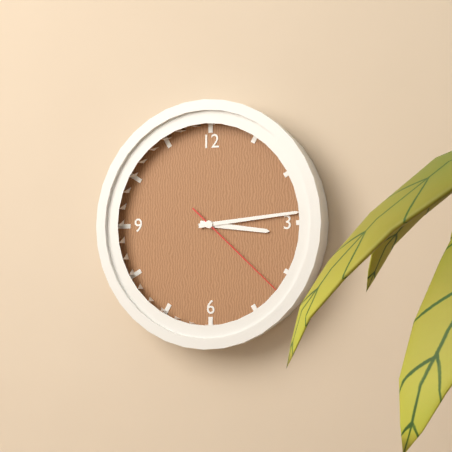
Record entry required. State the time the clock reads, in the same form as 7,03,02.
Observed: 3,14,22
